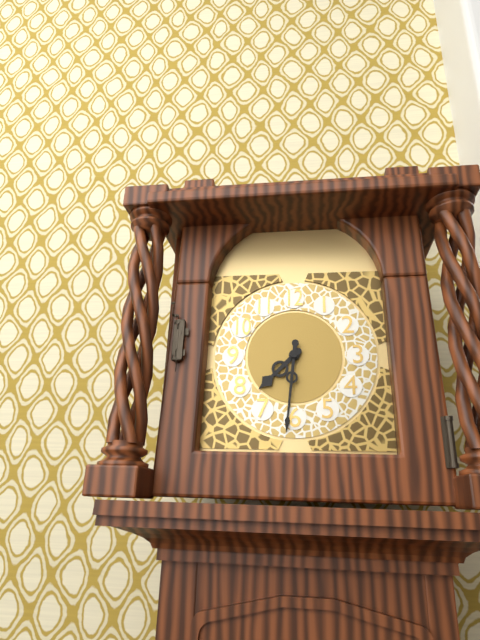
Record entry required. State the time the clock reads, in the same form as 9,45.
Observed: 7,31
